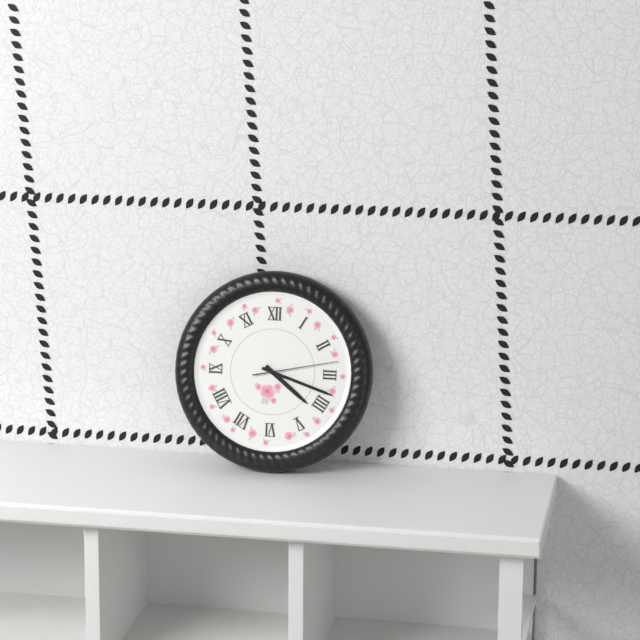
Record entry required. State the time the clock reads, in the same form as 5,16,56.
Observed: 4,18,13
